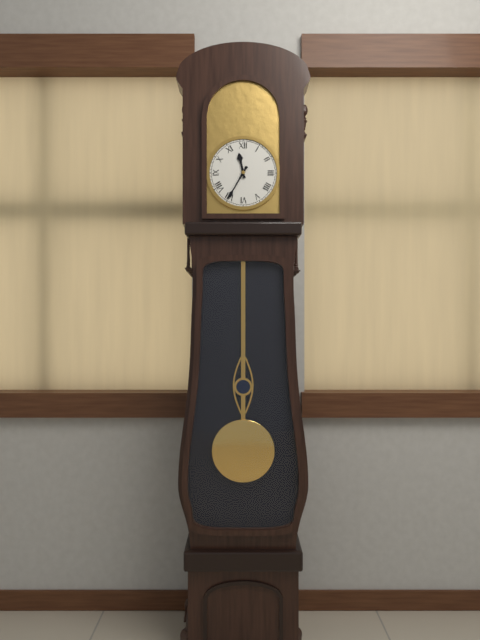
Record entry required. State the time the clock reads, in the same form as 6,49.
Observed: 11,35
